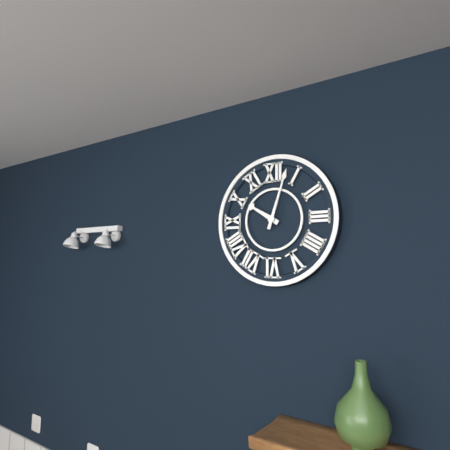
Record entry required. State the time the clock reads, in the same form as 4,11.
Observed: 10,03
